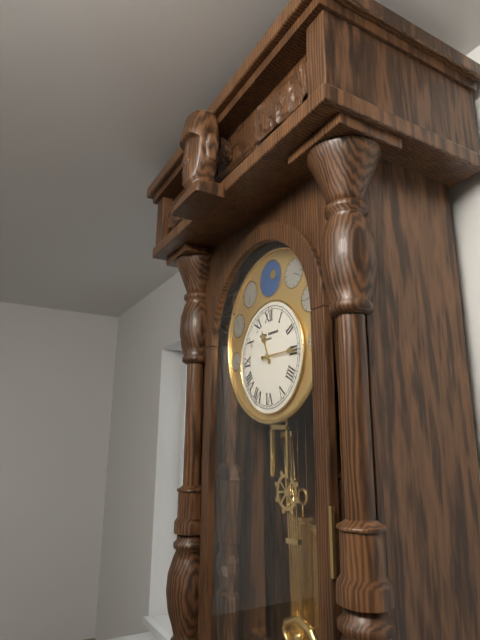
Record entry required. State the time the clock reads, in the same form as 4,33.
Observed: 11,15
